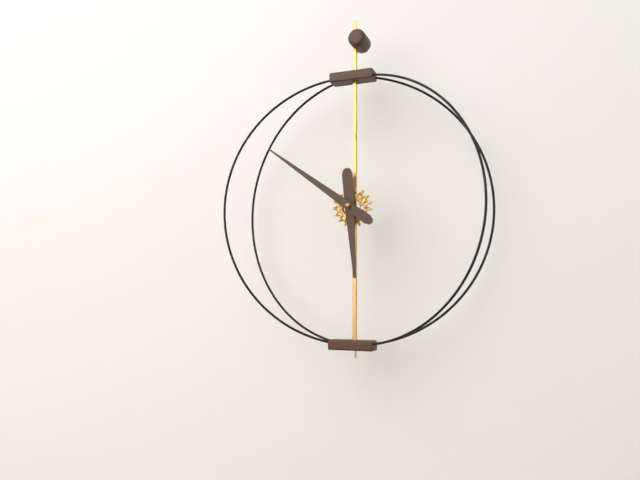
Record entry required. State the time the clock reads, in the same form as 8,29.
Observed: 5,51
